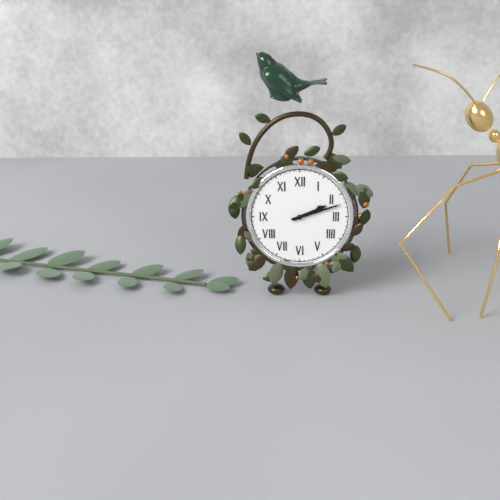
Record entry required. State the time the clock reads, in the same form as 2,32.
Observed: 2,12
